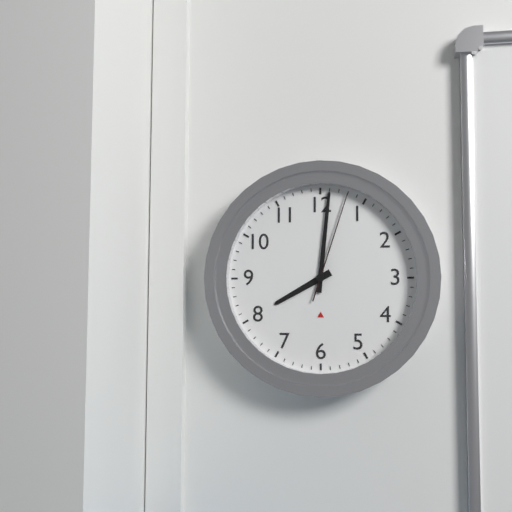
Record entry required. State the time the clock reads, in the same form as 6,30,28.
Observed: 8,01,03
